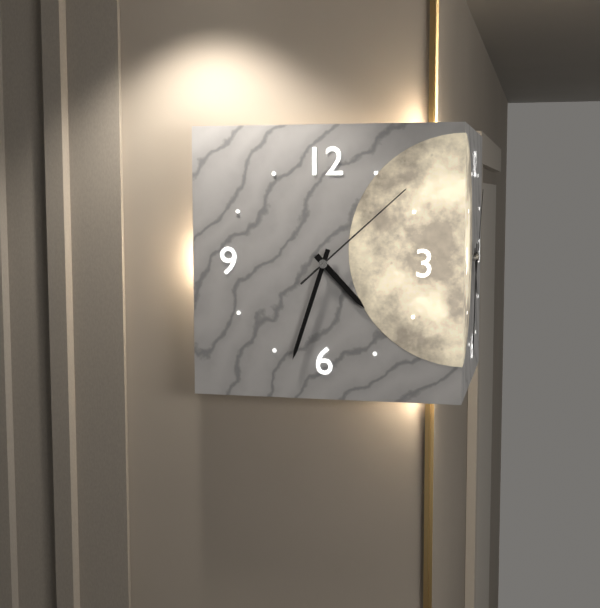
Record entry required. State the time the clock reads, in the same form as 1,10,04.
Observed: 4,33,08
